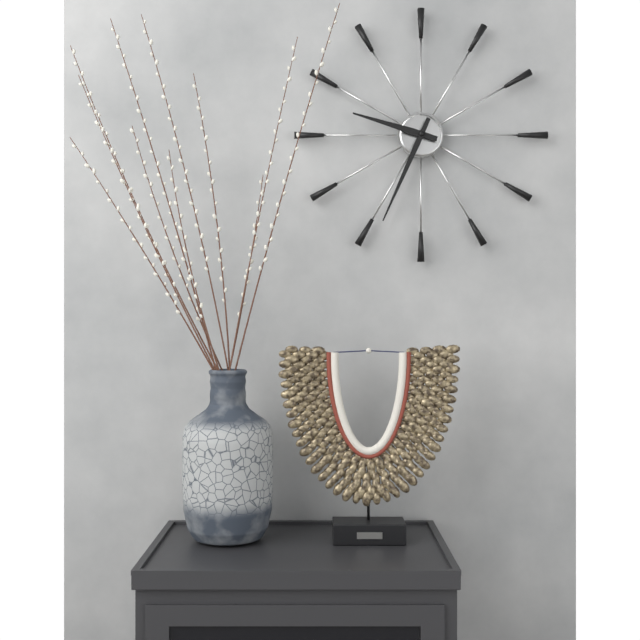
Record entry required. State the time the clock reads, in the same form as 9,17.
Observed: 9,34
